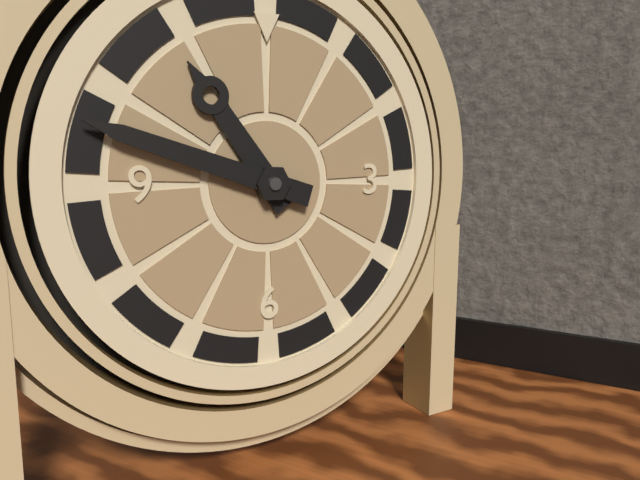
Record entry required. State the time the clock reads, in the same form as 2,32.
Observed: 10,48
